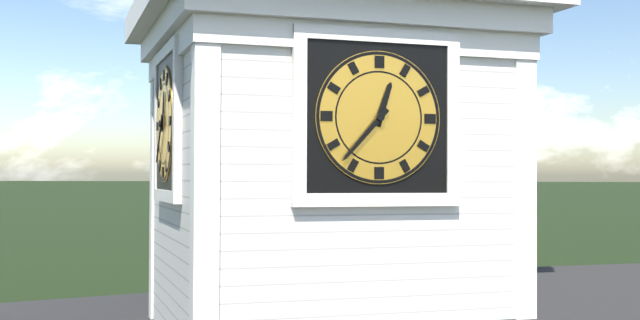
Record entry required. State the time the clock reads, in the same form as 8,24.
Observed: 12,37
